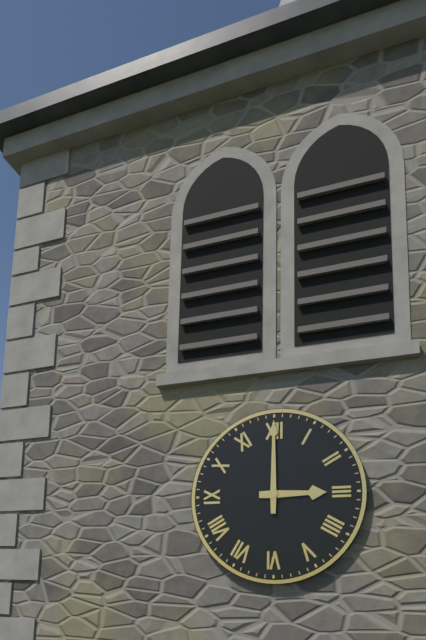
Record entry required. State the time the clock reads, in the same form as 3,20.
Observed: 3,00
